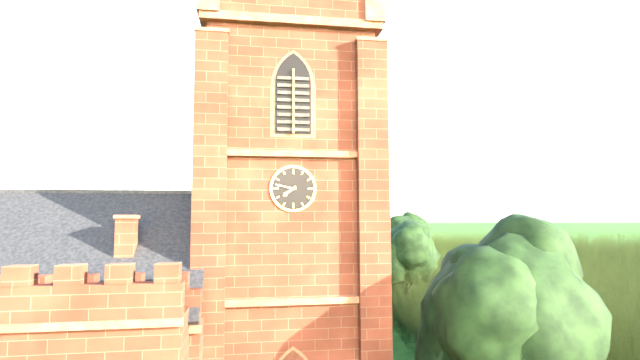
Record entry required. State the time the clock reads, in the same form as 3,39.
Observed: 7,47
